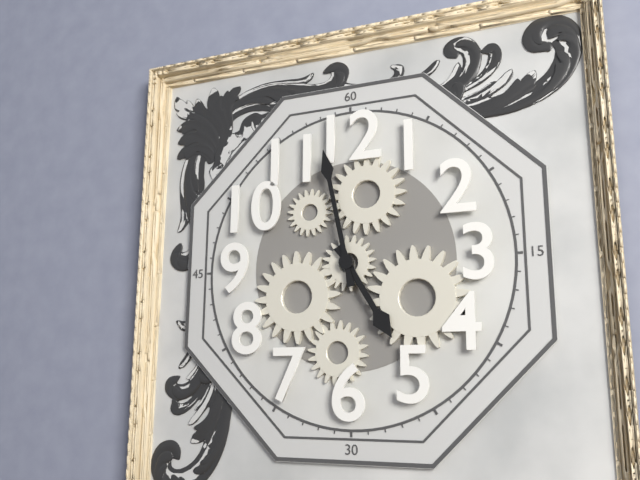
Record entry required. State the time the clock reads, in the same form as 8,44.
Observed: 4,58
